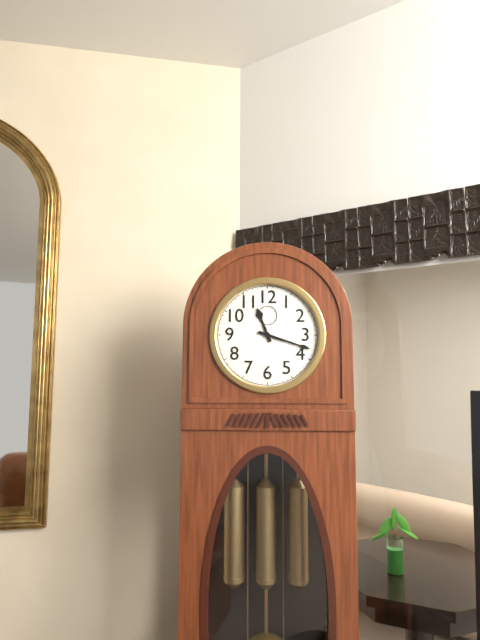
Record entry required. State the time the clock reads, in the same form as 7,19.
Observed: 11,18
